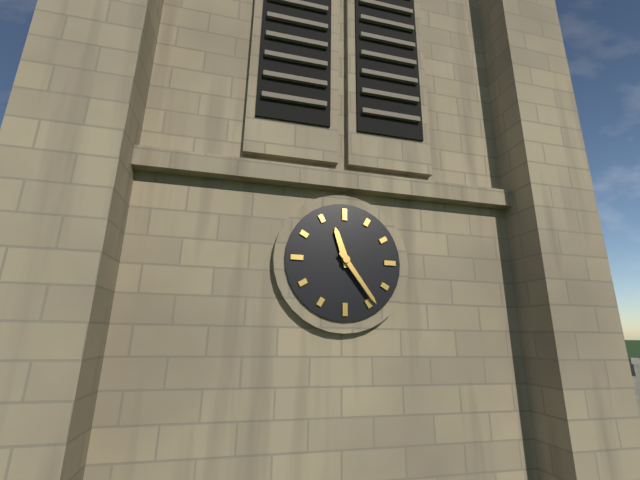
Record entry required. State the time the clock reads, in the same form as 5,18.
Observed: 11,24
